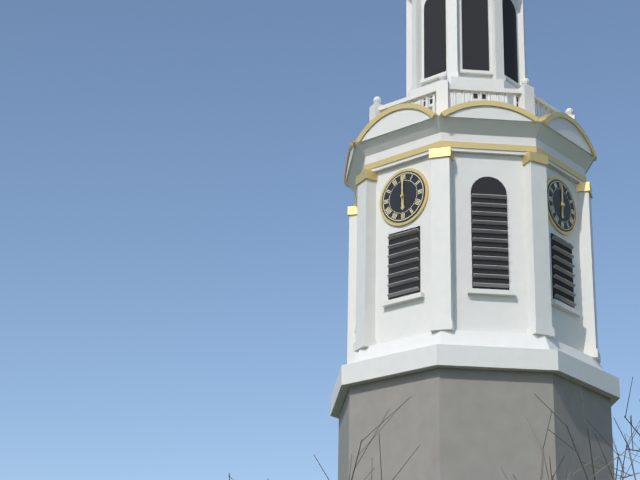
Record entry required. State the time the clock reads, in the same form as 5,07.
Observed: 6,00
